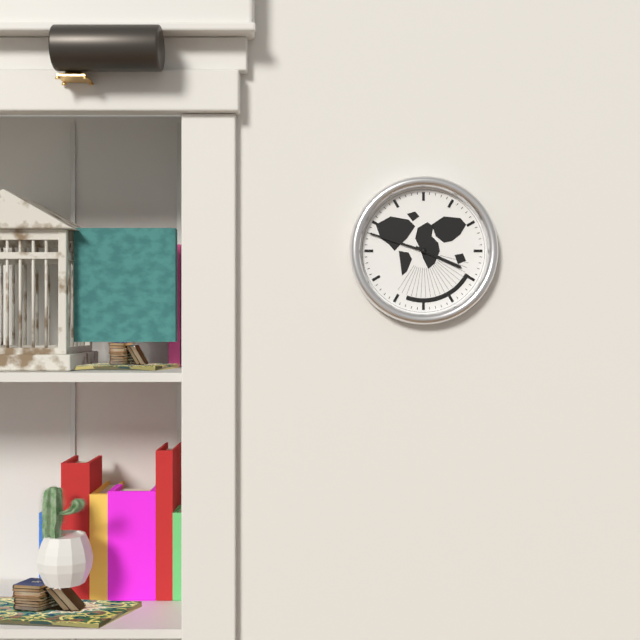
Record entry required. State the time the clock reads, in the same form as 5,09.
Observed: 3,48
